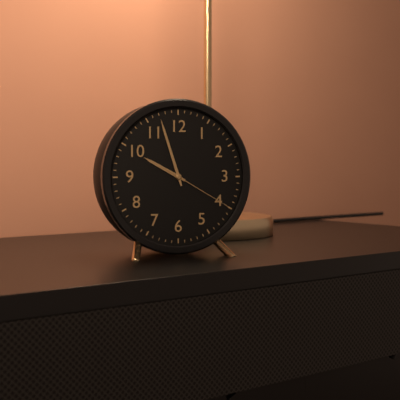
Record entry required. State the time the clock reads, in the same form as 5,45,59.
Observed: 9,57,20
